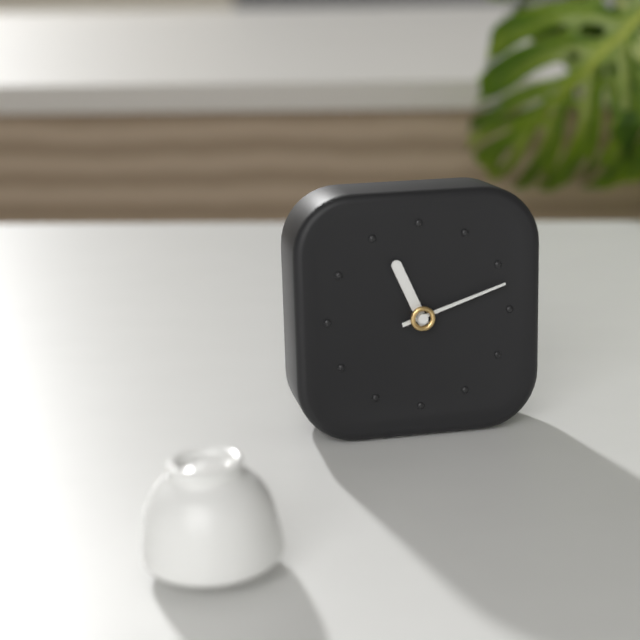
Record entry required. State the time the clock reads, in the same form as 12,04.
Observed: 11,12
